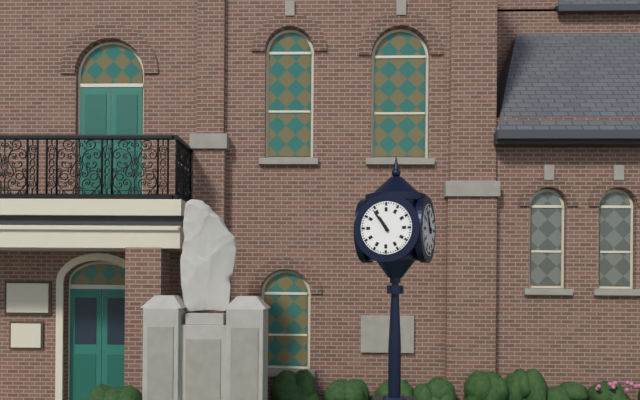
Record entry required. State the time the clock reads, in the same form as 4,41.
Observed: 10,54
